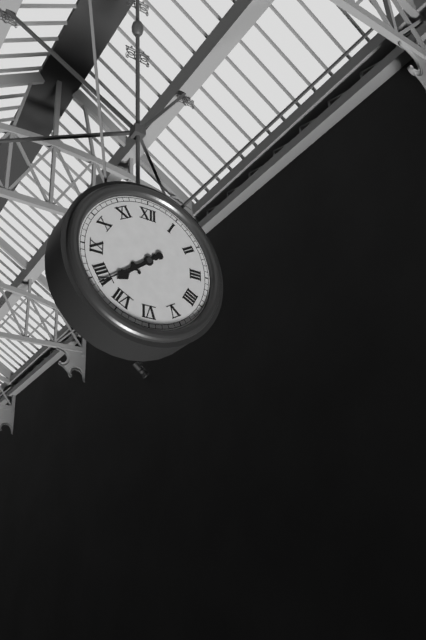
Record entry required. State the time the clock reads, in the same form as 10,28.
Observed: 7,39
